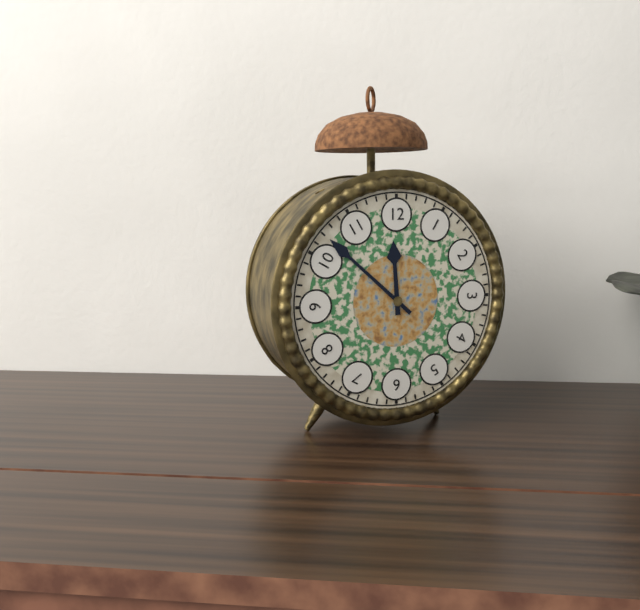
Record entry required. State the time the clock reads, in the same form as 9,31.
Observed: 11,52
